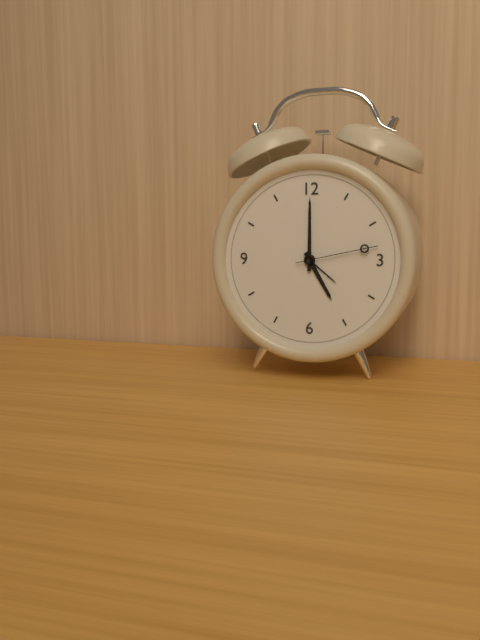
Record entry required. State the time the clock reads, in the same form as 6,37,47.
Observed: 5,00,13
